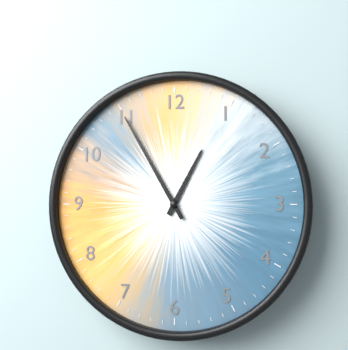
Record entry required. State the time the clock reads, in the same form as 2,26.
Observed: 12,55
